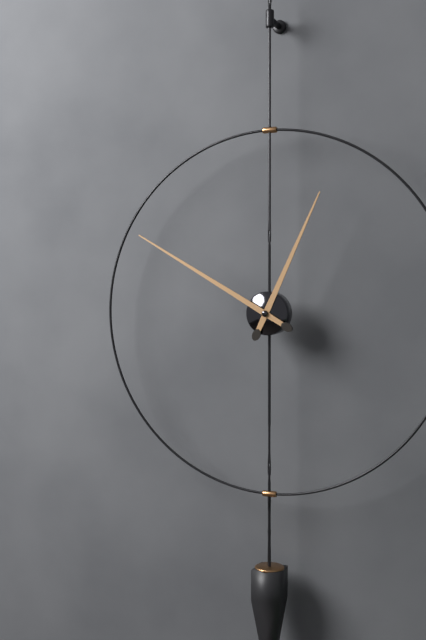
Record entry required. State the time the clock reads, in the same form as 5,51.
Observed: 12,50
